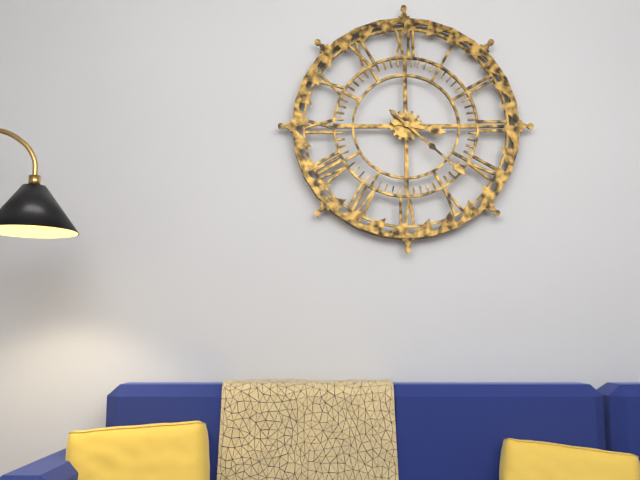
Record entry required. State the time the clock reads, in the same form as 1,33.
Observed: 3,22
